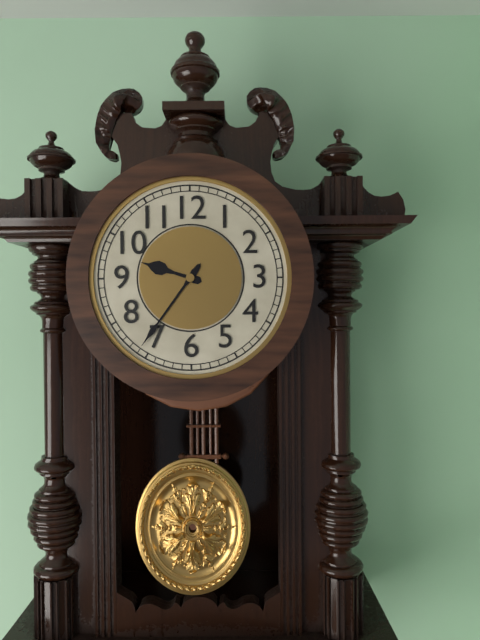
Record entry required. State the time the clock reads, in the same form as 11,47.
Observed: 9,36
